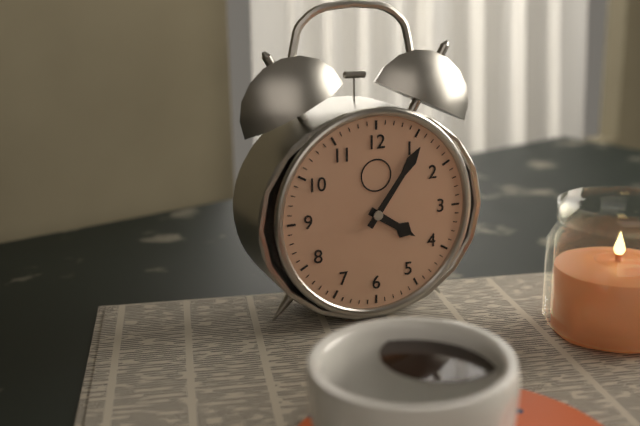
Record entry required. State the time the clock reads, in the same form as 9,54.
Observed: 4,06
